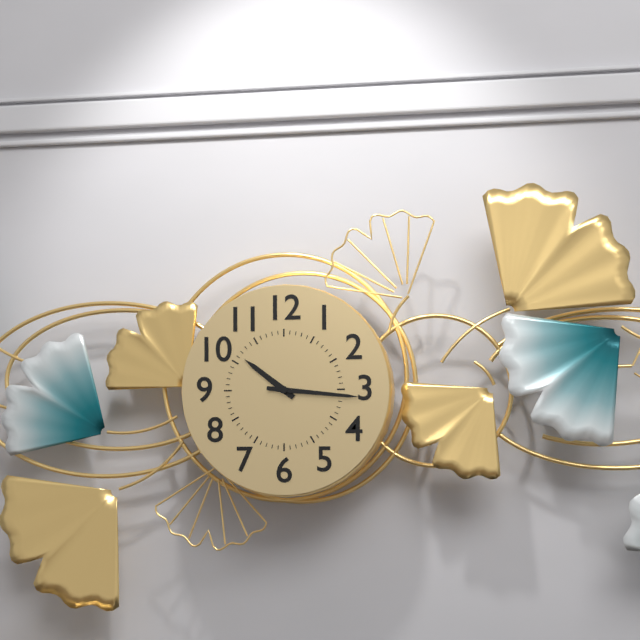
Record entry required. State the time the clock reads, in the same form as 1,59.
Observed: 10,16
